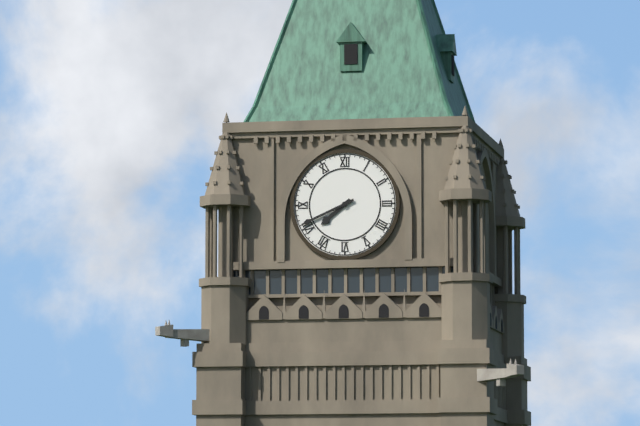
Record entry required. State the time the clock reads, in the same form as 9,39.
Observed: 7,41
